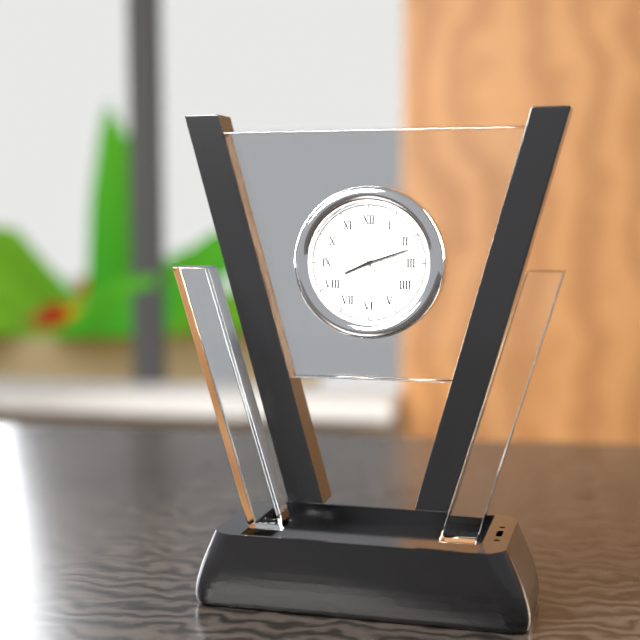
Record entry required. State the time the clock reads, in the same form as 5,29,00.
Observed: 8,12,53
